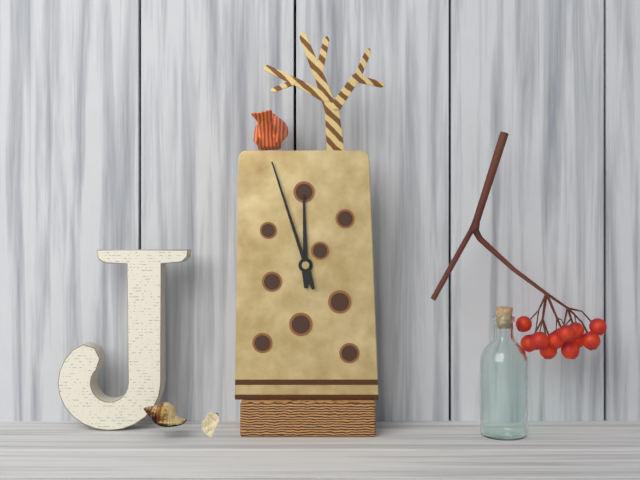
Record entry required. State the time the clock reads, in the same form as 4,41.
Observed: 11,57
